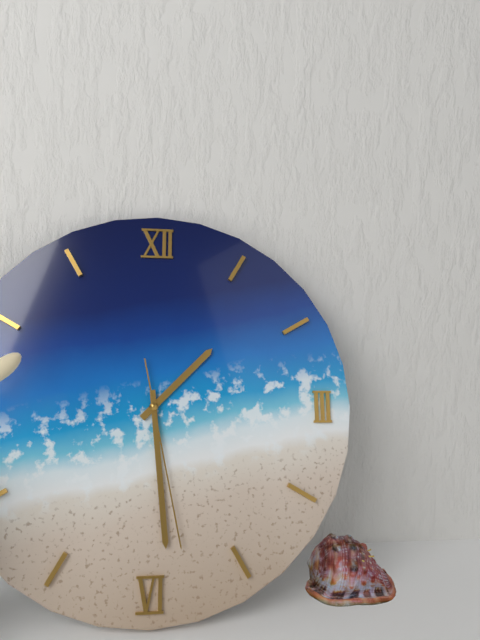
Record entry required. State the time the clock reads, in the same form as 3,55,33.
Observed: 1,29,28
